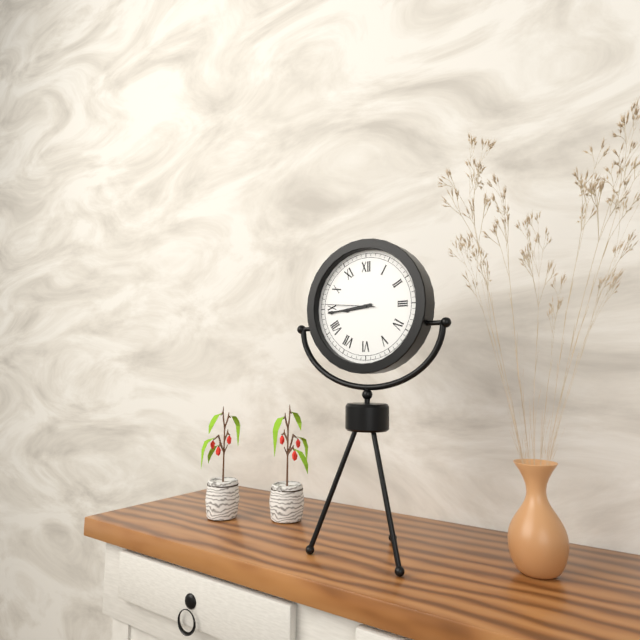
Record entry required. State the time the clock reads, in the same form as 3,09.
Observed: 8,44
